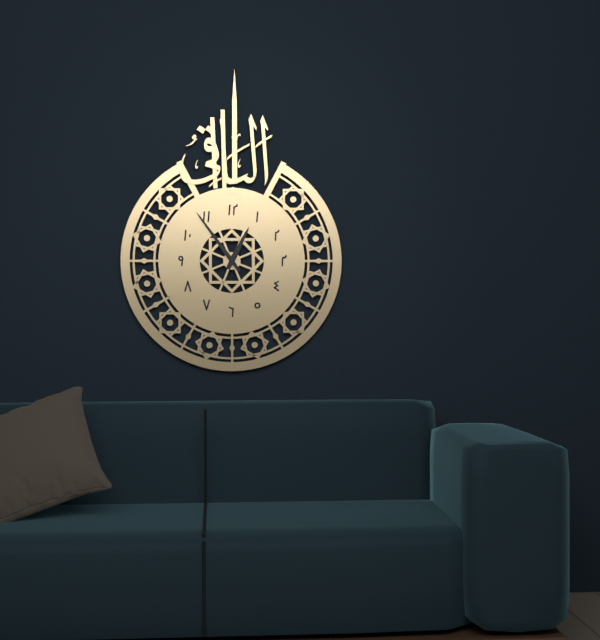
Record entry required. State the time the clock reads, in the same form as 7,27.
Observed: 12,54
